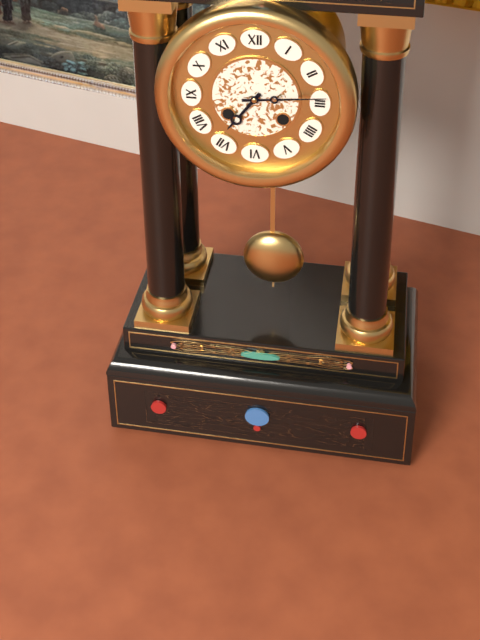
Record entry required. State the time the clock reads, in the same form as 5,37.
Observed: 7,14
